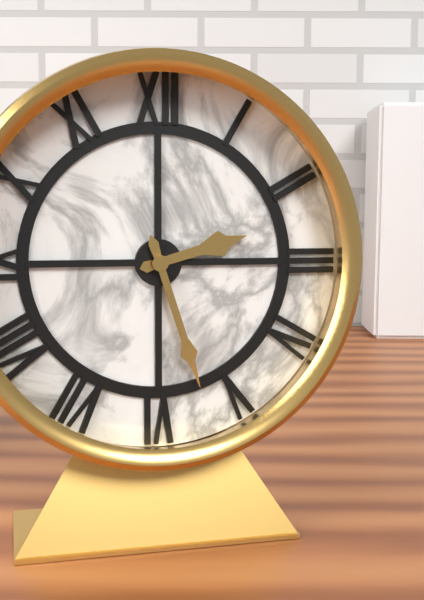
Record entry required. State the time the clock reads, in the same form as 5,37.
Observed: 2,27
